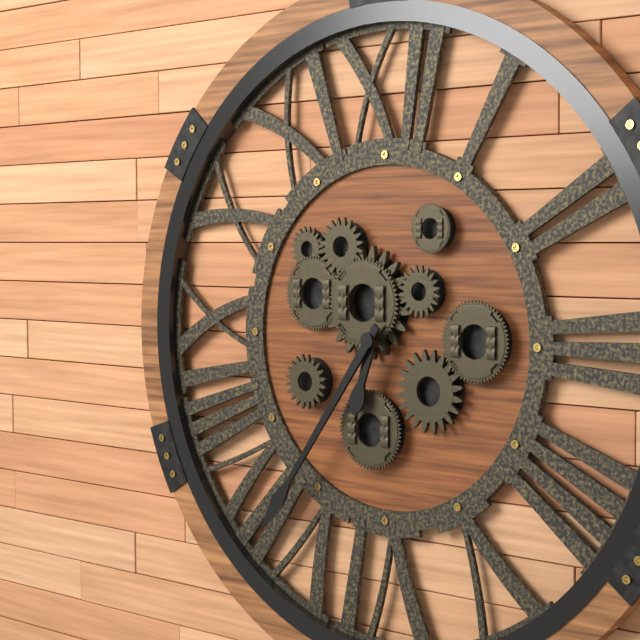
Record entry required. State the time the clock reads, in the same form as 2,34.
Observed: 6,36
